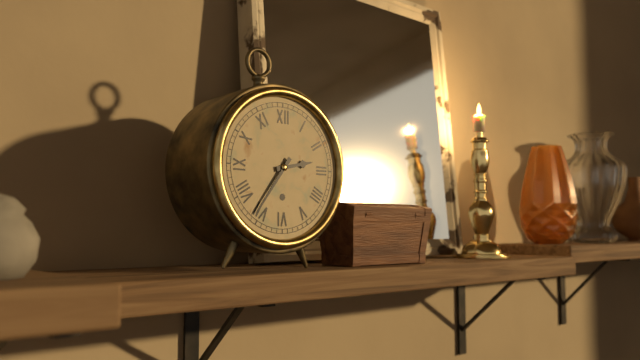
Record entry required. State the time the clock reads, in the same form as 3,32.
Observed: 2,36
